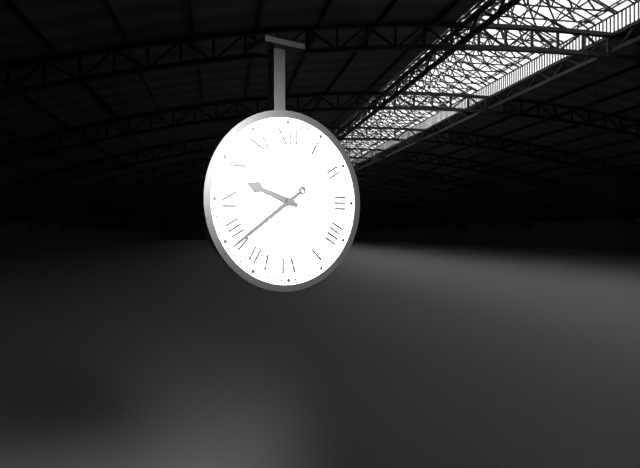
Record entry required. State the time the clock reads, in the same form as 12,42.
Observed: 9,39
